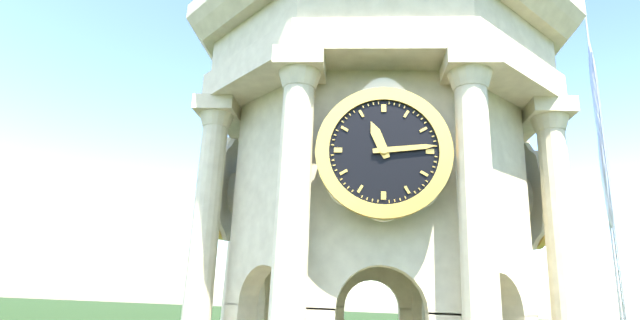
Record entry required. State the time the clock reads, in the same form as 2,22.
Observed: 11,14
